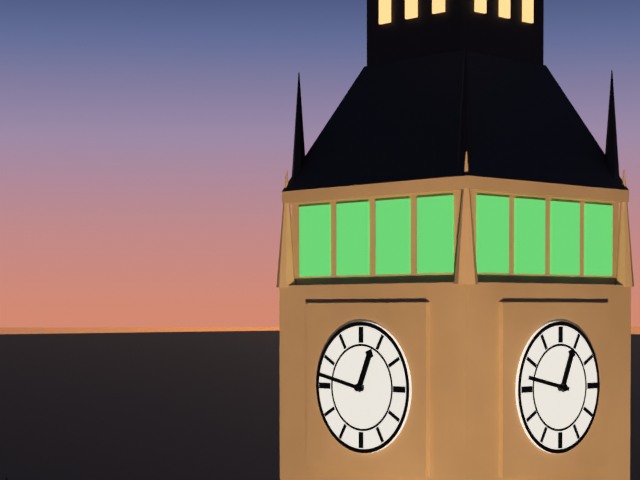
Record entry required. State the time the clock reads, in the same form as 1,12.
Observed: 12,47
